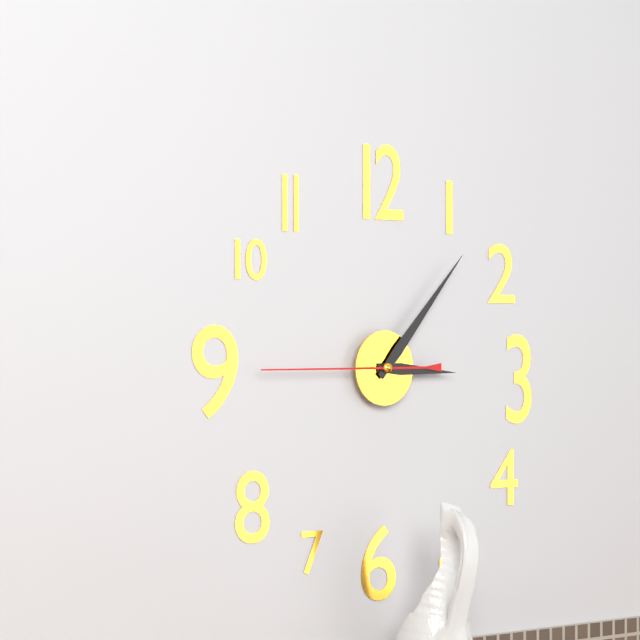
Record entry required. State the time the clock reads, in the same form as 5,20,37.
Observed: 3,07,45
